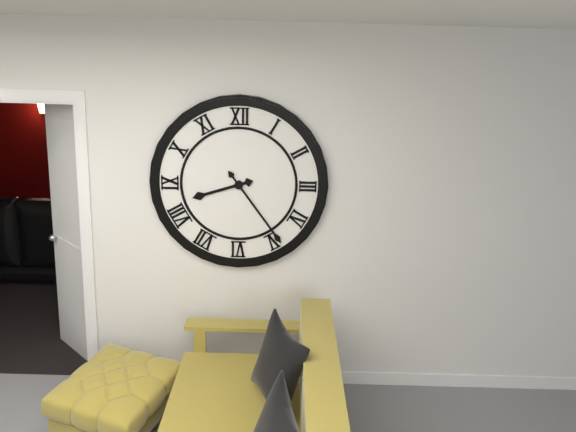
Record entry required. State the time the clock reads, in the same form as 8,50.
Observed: 8,24
